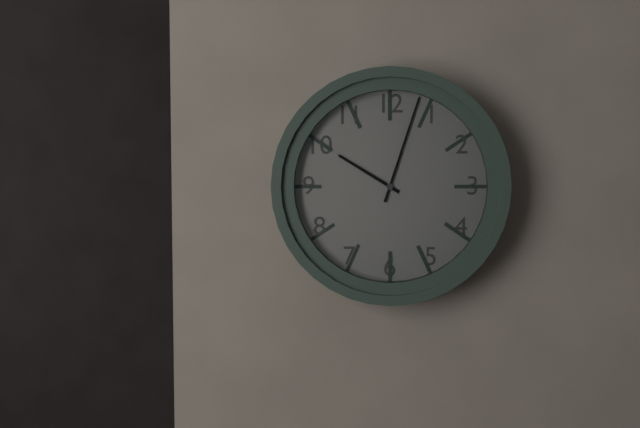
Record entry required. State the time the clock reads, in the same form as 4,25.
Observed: 10,03
